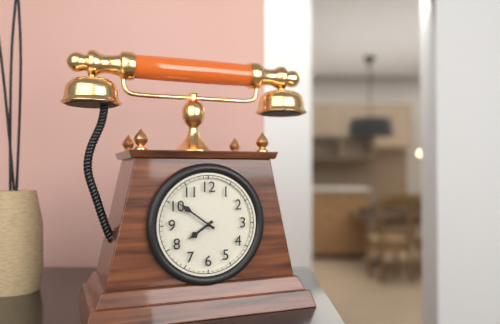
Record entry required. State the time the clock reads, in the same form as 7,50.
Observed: 7,51
